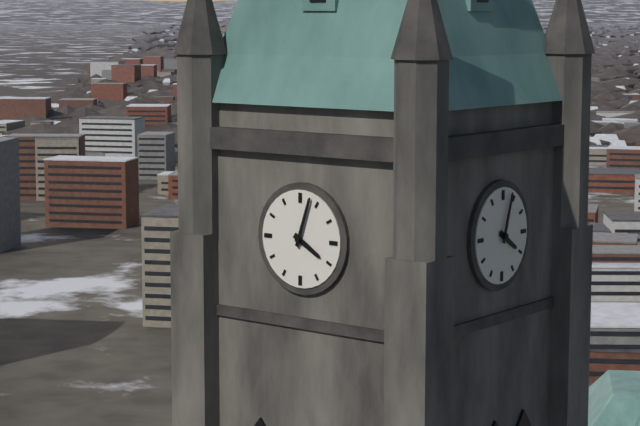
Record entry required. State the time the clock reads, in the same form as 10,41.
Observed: 4,03
